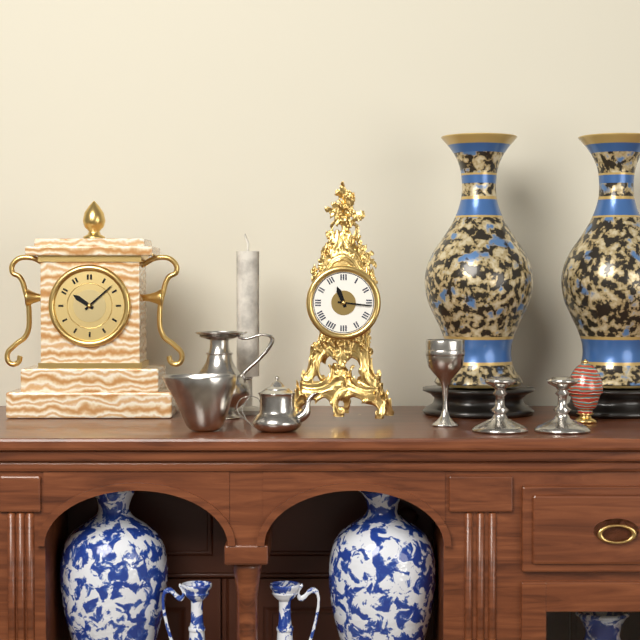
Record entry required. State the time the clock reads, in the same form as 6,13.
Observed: 11,16
